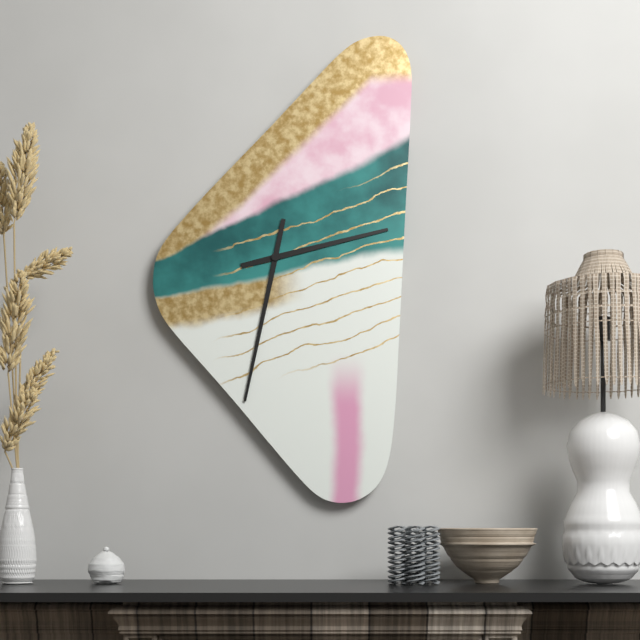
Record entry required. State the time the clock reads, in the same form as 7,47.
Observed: 2,32
